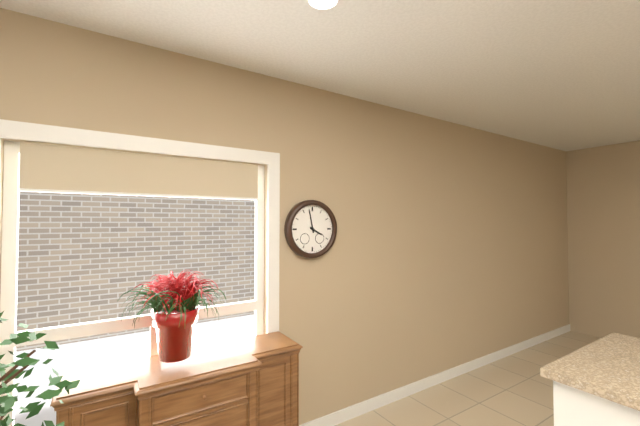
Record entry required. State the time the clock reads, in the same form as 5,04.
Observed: 3,58
